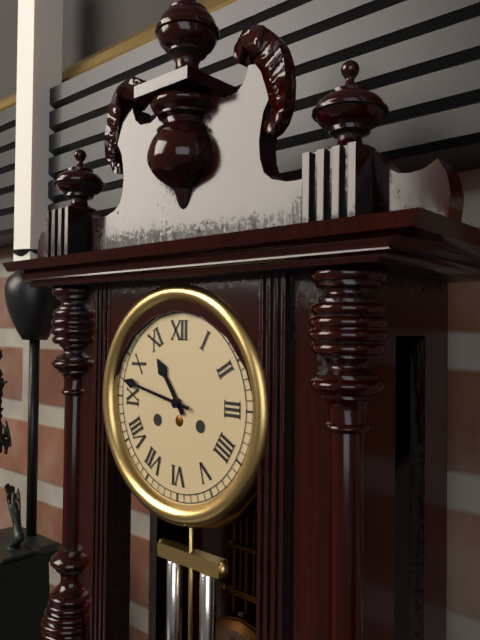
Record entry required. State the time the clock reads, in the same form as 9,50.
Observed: 10,47
